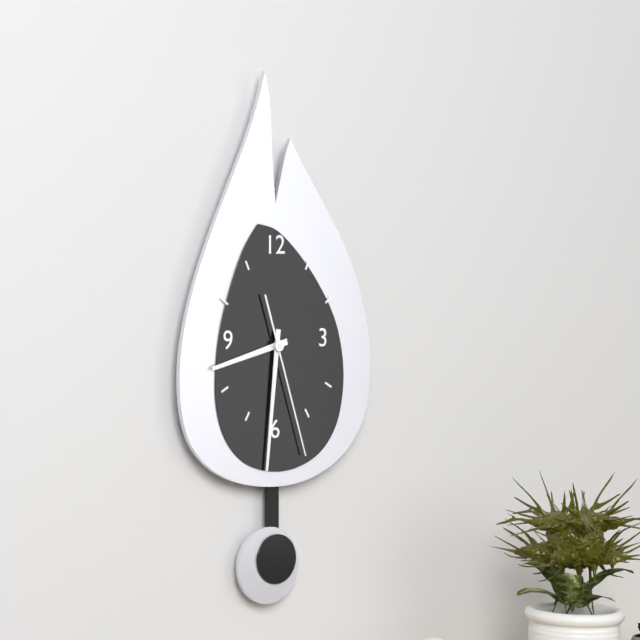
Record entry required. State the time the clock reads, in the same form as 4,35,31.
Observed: 8,31,27
